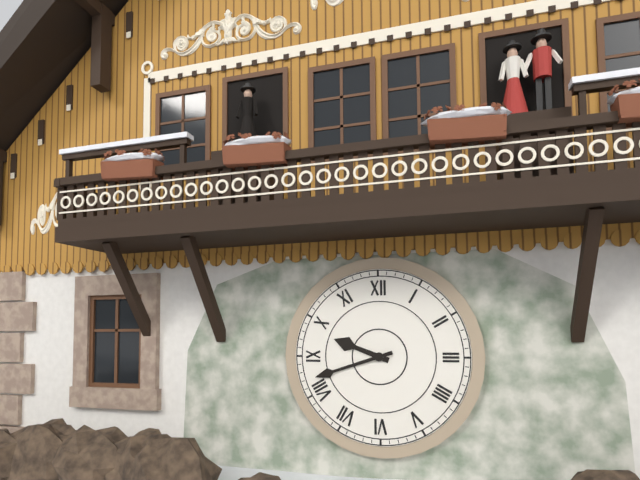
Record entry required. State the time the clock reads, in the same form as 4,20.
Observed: 9,42
